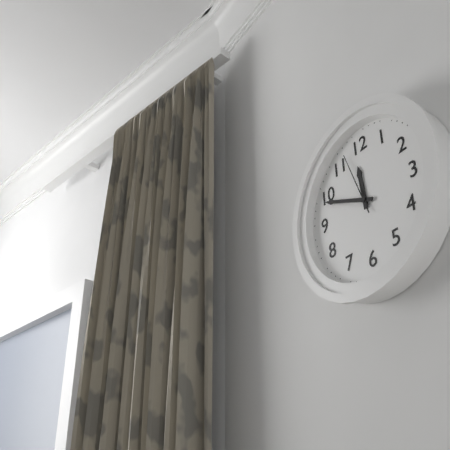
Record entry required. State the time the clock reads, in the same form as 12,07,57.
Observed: 11,49,57
